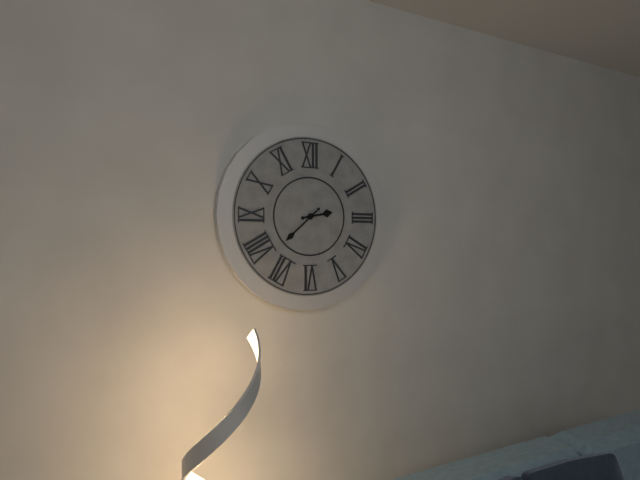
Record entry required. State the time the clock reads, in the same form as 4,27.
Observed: 2,38
